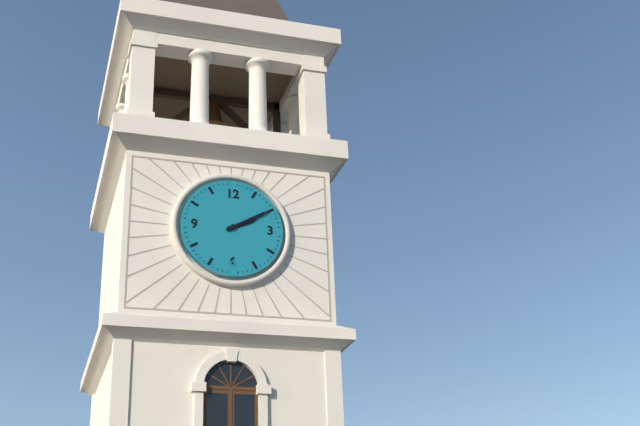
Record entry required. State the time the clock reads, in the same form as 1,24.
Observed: 2,10
